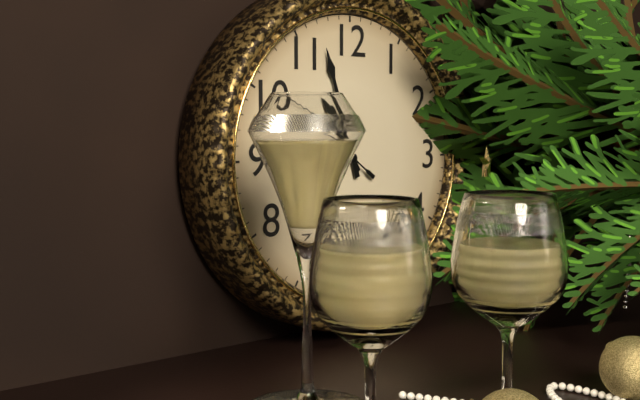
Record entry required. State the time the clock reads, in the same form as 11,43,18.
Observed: 10,57,51
